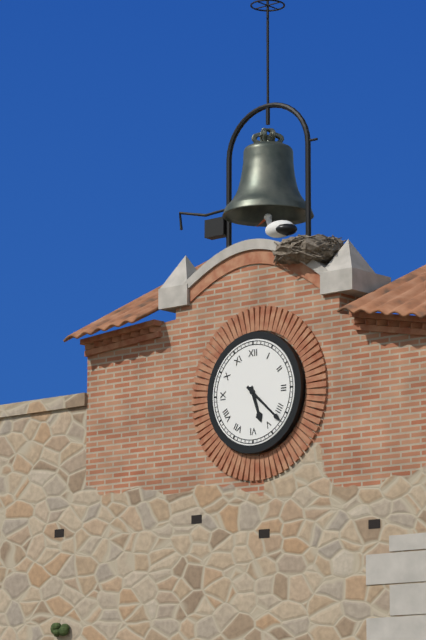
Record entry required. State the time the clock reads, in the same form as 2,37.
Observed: 5,22
